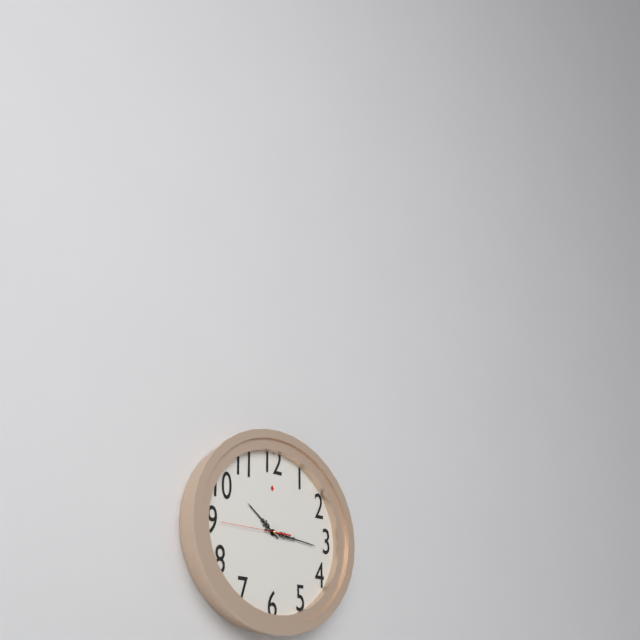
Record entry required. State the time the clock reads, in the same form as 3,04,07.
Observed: 10,16,45
